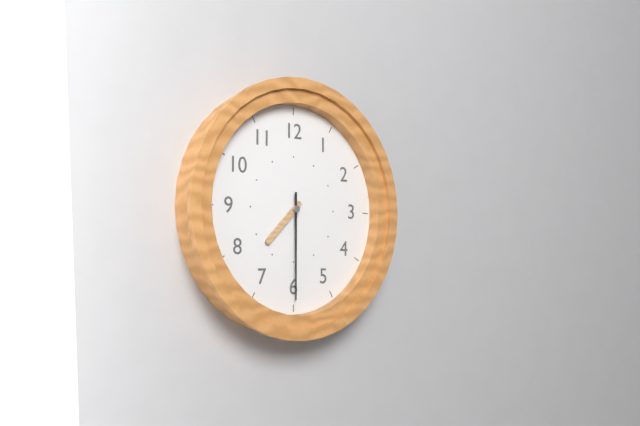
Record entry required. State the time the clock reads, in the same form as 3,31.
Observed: 7,30
